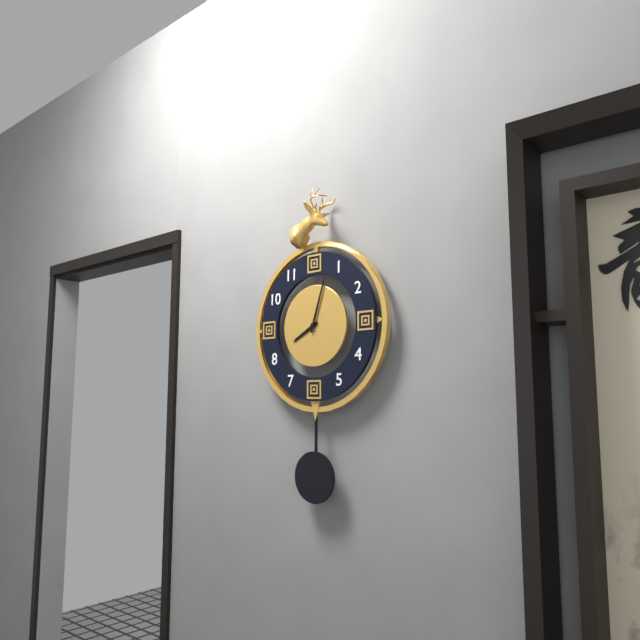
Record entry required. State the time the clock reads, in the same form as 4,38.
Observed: 8,03
